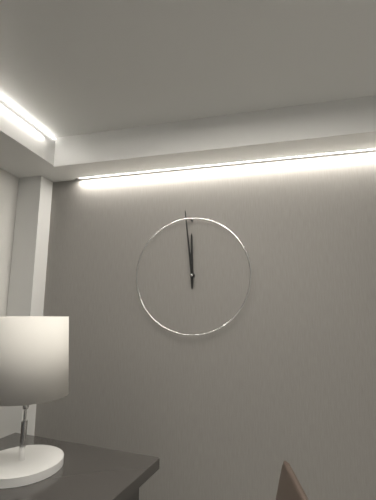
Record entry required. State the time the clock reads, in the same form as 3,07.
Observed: 11,59
